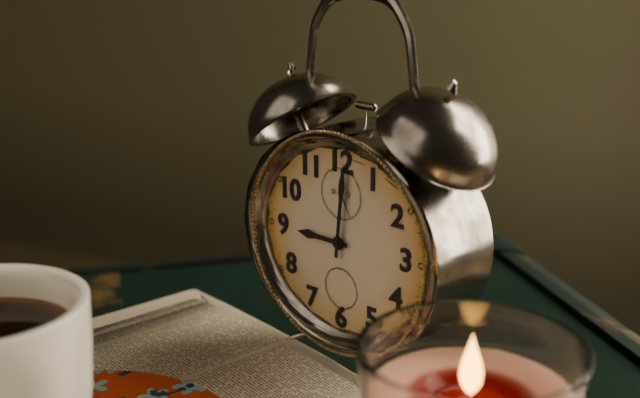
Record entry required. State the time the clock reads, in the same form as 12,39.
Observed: 9,01
